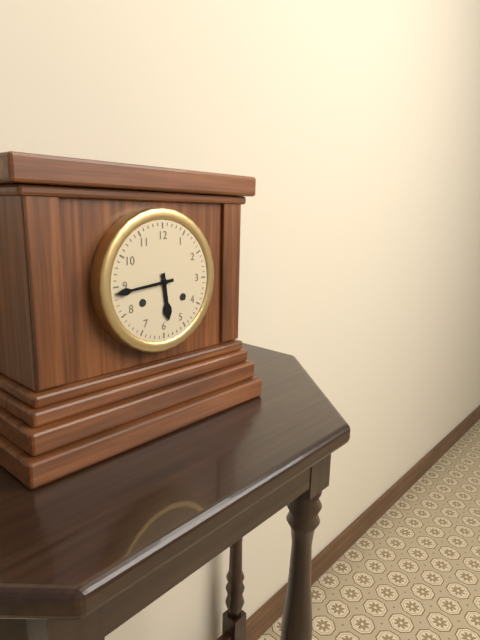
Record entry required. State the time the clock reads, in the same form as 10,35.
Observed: 5,44
